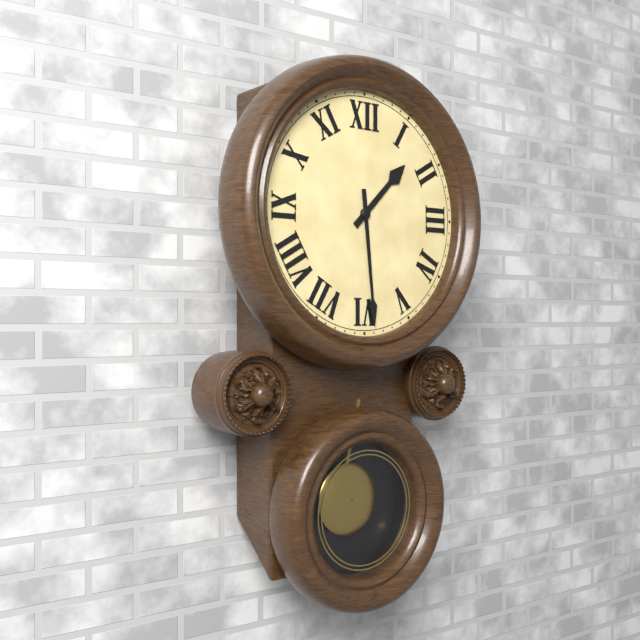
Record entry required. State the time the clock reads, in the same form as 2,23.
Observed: 1,29
